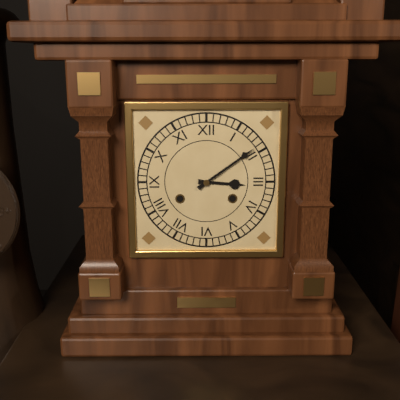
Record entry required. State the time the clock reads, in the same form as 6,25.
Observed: 3,09
